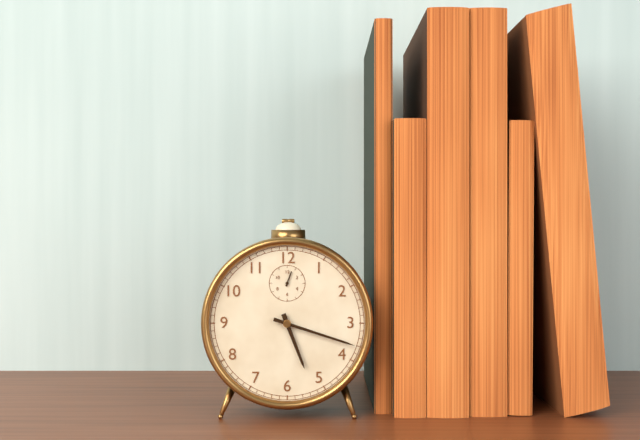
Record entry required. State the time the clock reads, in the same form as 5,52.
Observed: 5,18
